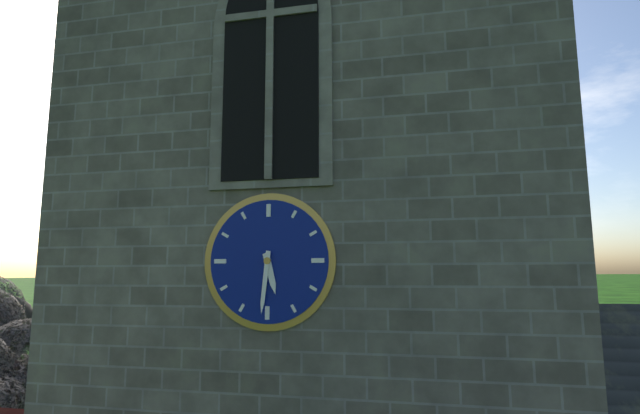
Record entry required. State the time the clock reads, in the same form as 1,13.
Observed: 5,31
